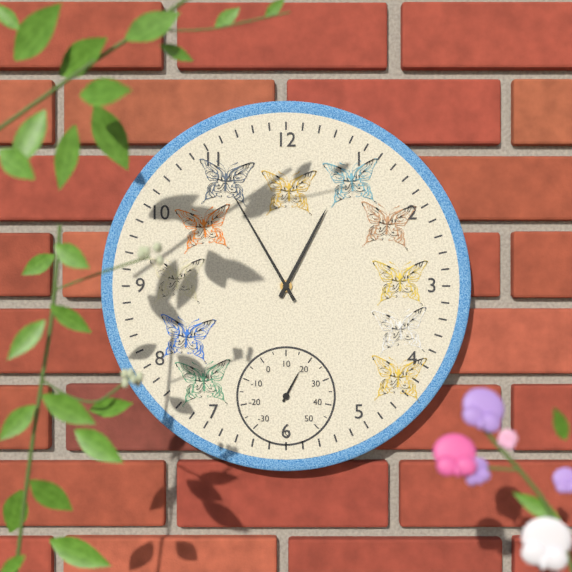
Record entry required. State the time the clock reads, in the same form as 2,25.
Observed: 12,55
